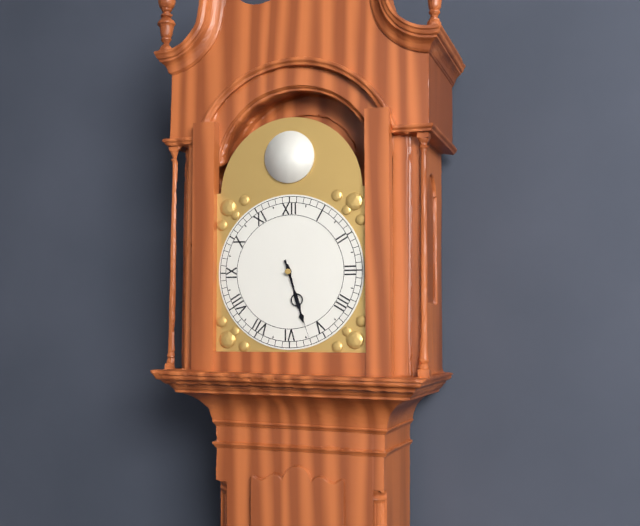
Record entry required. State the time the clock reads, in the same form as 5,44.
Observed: 5,27
